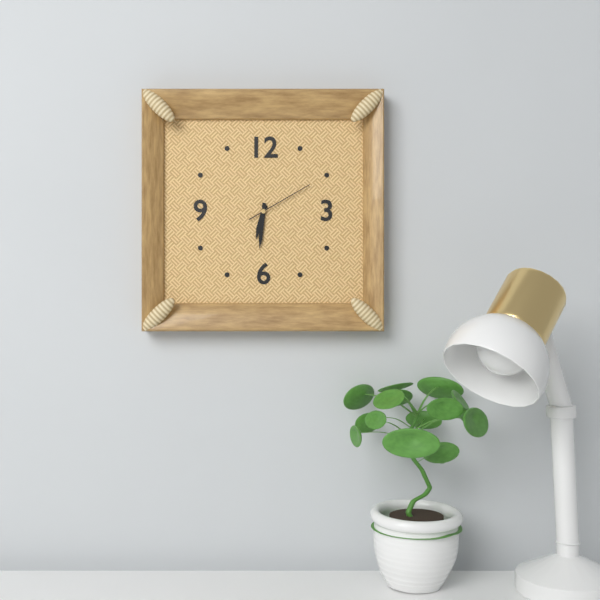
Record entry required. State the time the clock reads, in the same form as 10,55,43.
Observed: 6,31,10
